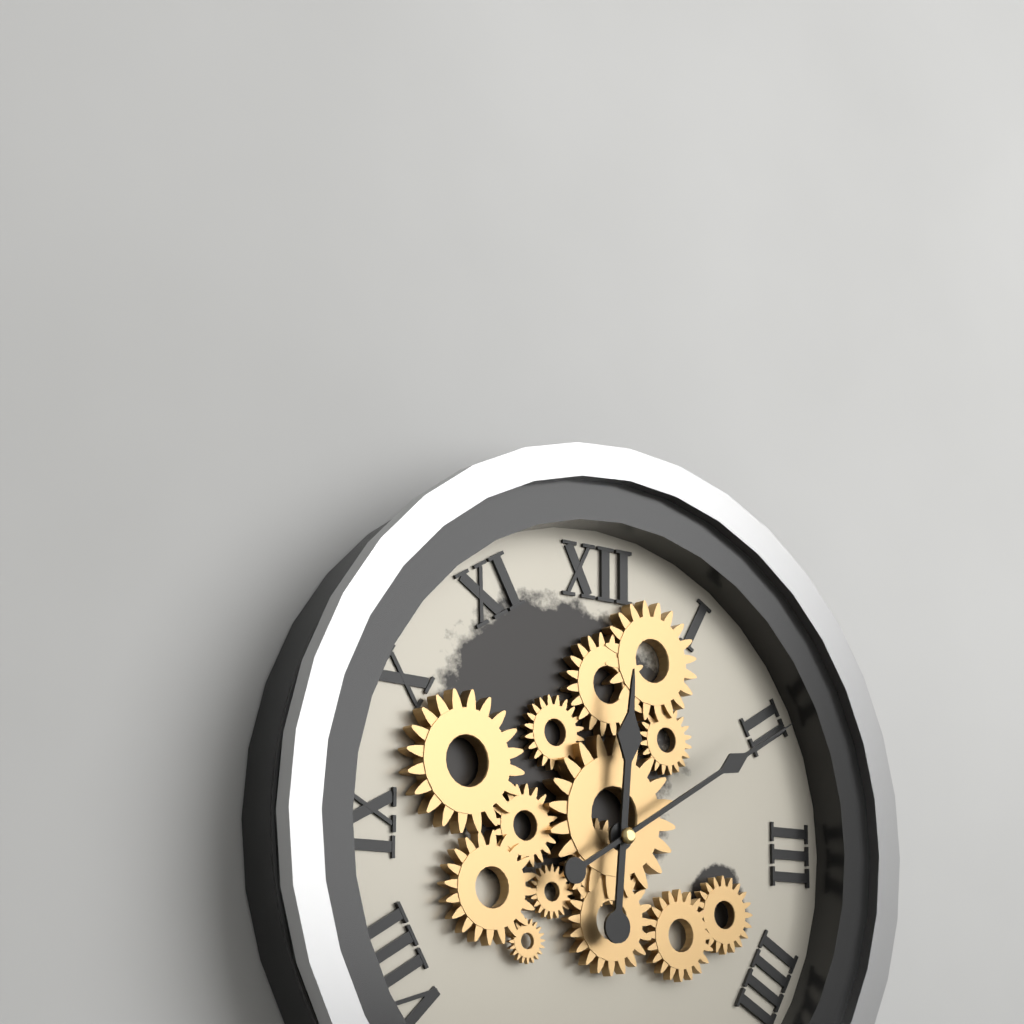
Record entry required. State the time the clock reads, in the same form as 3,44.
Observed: 12,10
